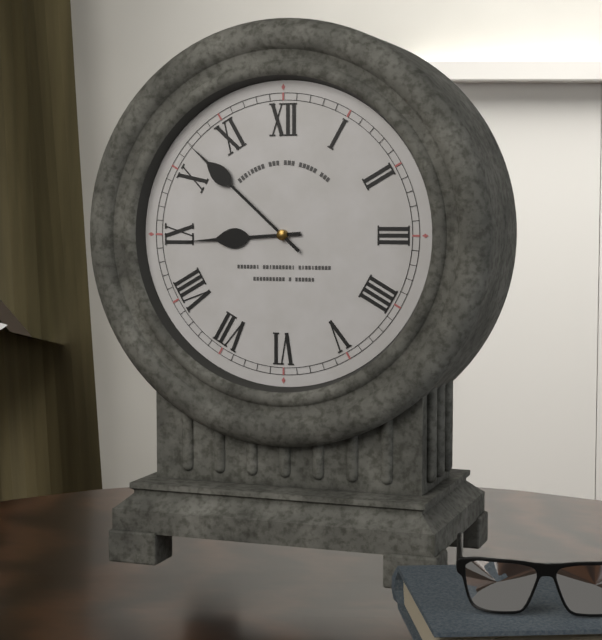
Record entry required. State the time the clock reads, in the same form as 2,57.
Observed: 8,52
